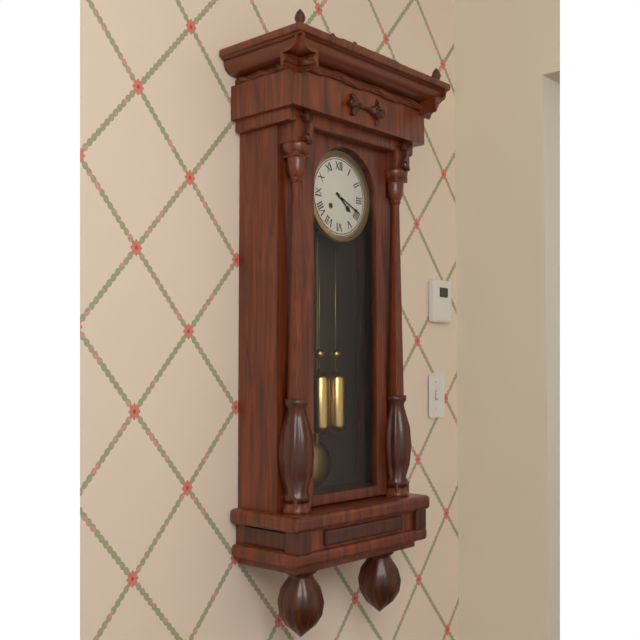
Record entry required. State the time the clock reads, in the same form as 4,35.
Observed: 4,19
